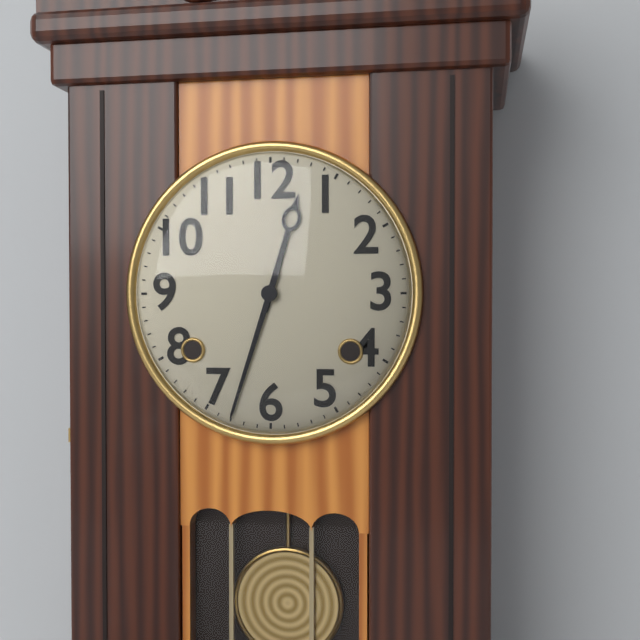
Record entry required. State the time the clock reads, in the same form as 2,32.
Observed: 12,33
